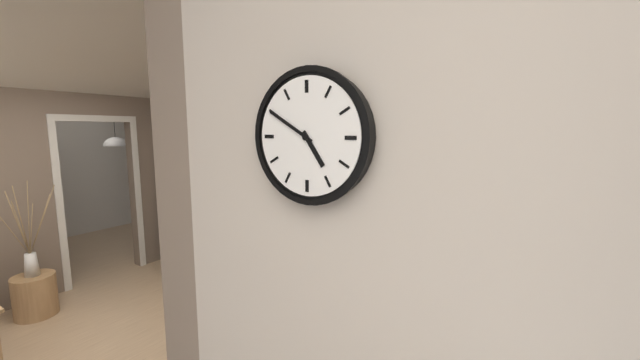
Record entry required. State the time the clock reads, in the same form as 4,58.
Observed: 4,50
